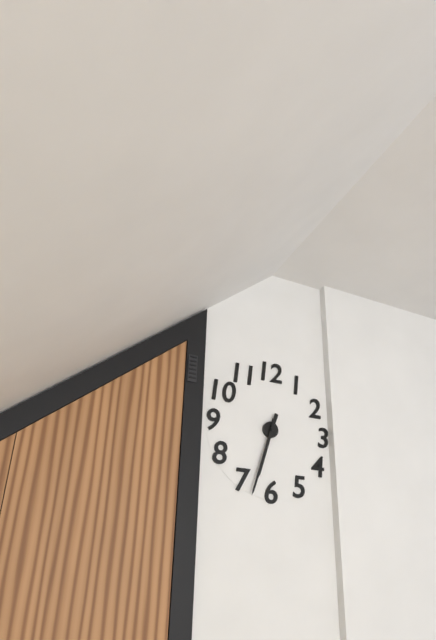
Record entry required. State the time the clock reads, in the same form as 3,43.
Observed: 6,33
